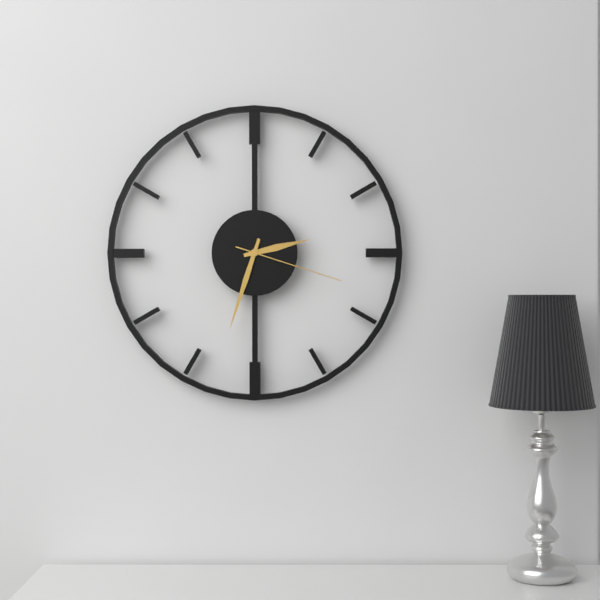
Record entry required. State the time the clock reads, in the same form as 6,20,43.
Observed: 2,33,18
